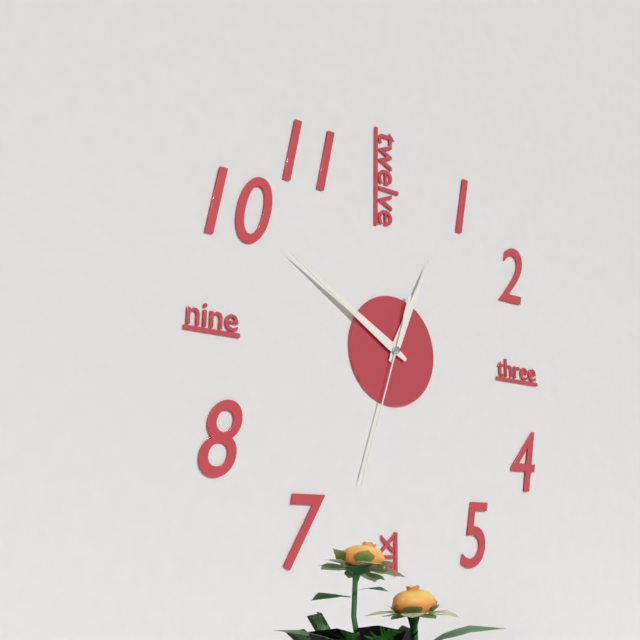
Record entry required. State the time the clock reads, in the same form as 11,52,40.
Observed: 12,50,33
